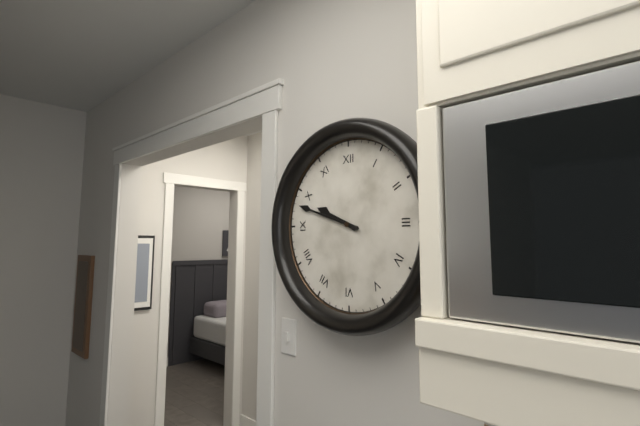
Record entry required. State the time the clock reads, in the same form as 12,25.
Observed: 9,48
